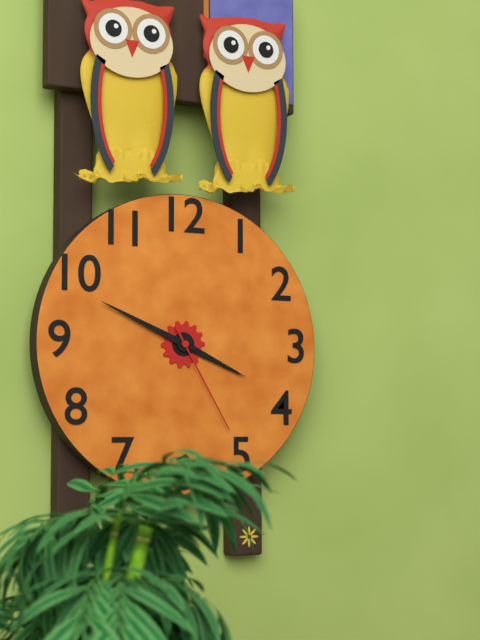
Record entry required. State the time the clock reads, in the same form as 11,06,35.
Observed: 3,49,25
